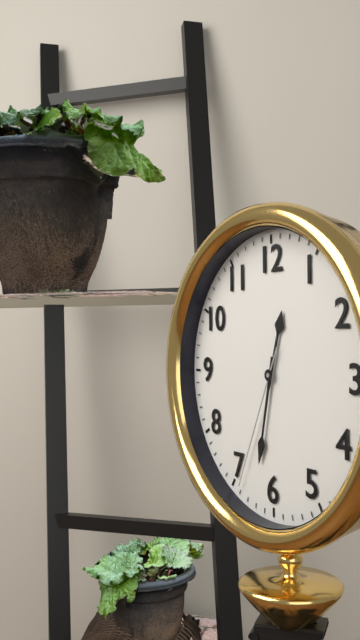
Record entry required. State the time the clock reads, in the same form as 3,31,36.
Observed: 12,32,34
